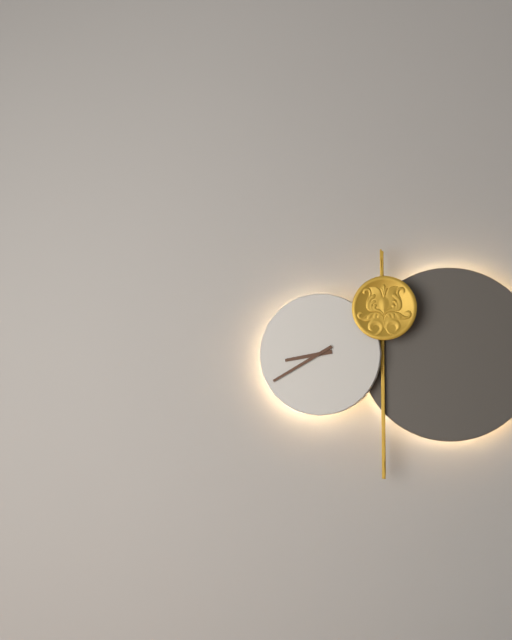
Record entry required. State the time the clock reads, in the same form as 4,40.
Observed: 8,40
